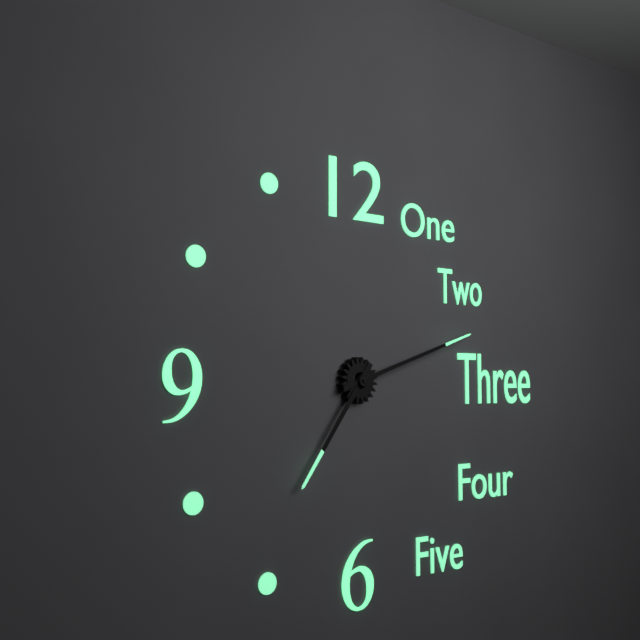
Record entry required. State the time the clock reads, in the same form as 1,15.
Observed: 7,12
